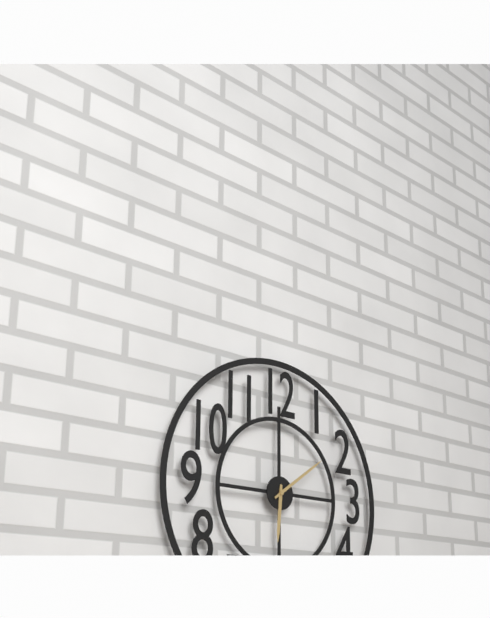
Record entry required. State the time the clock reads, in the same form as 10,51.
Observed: 6,09
